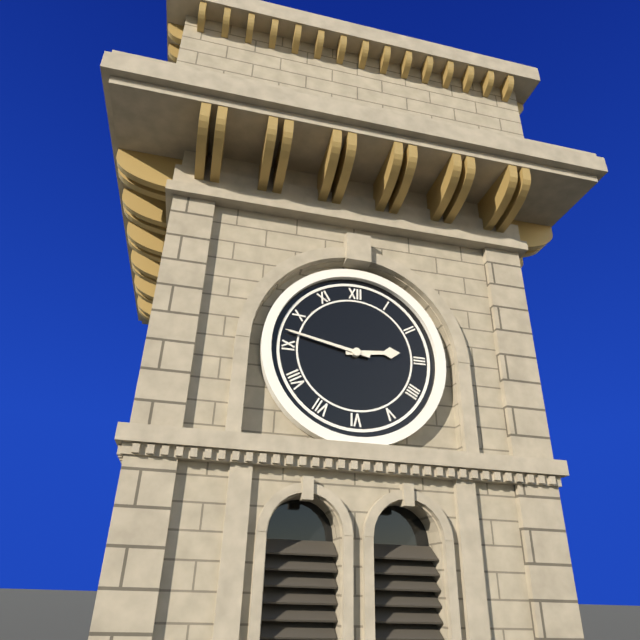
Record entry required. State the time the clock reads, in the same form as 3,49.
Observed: 2,47
